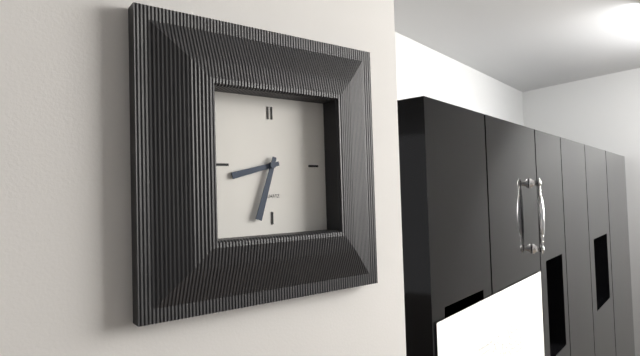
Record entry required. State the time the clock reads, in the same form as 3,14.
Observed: 8,33
